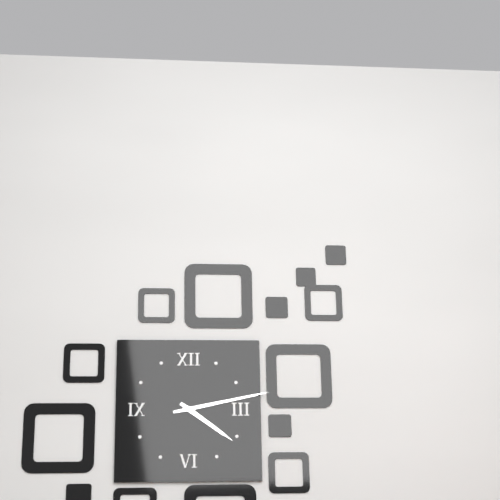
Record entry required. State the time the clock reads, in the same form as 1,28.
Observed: 4,13
